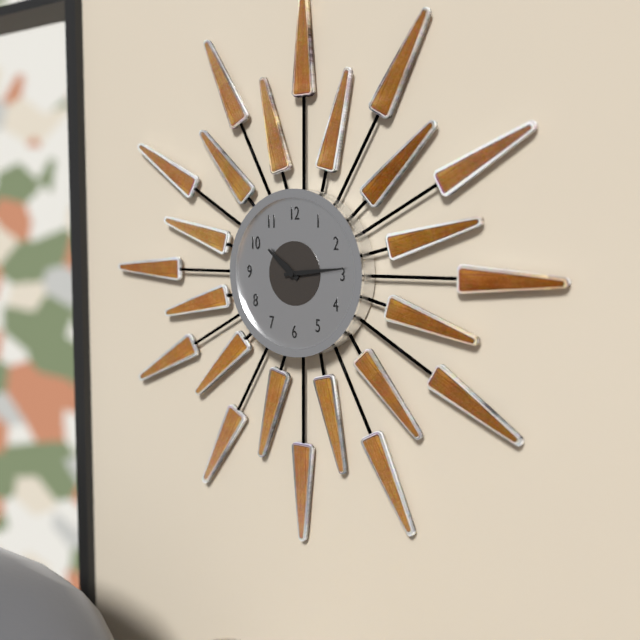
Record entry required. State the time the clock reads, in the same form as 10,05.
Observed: 10,14
